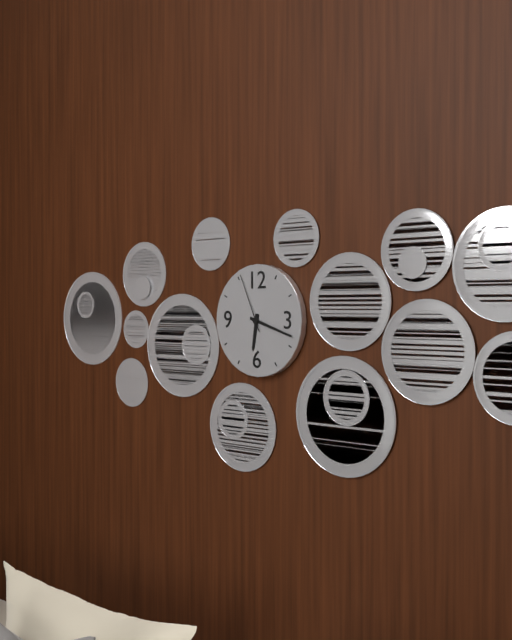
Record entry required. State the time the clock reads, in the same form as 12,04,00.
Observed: 6,18,56
